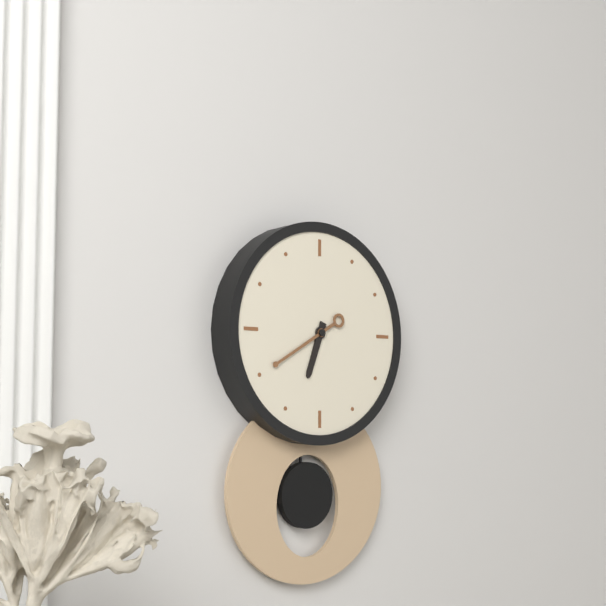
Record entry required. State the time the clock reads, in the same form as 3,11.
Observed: 6,40
